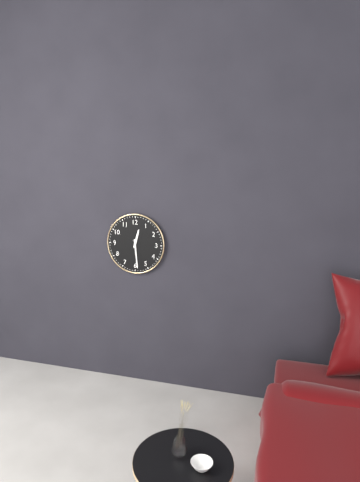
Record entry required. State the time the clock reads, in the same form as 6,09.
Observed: 12,29
